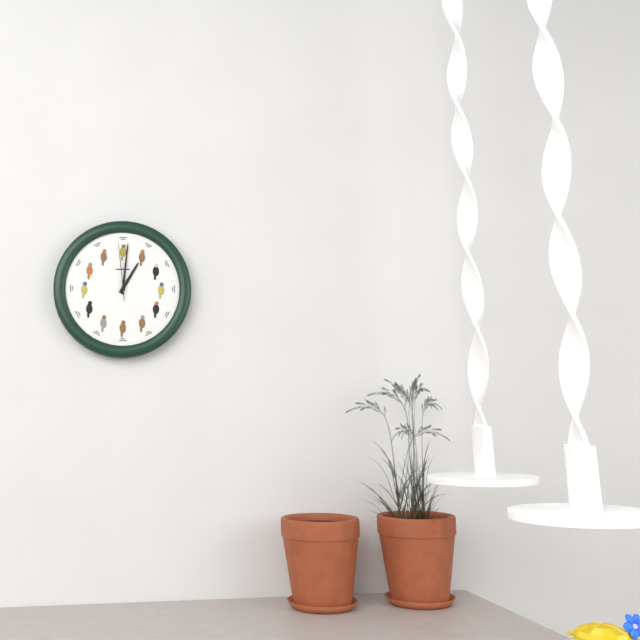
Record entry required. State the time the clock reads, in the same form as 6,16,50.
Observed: 1,01,59
